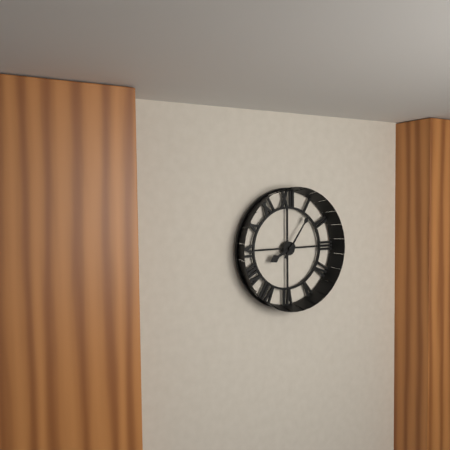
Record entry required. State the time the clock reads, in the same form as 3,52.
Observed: 8,06
